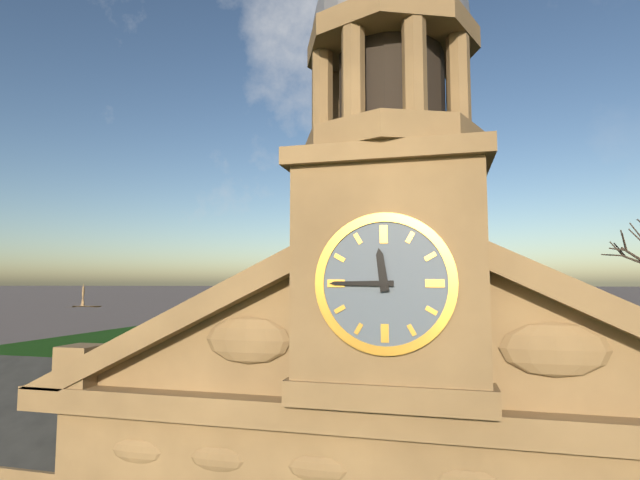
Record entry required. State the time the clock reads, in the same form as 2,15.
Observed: 11,45
